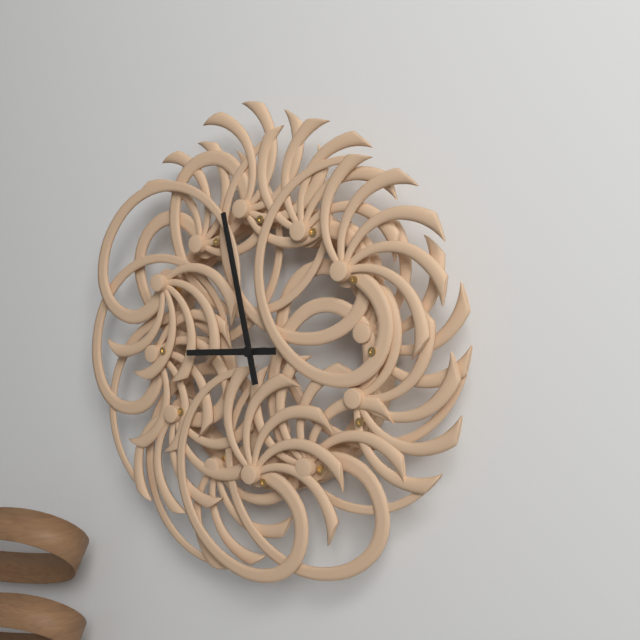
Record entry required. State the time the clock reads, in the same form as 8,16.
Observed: 8,58
